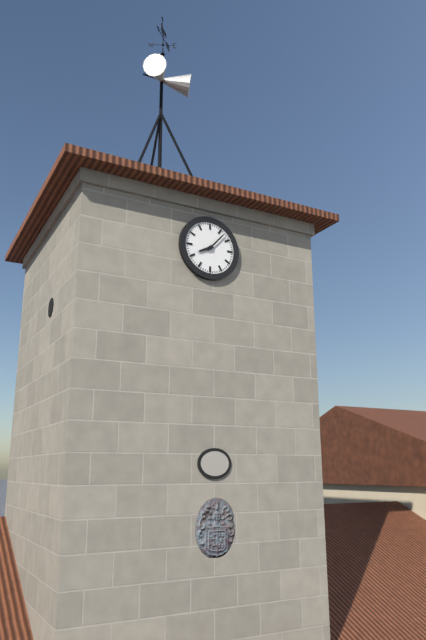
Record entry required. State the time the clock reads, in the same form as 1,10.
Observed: 8,07
